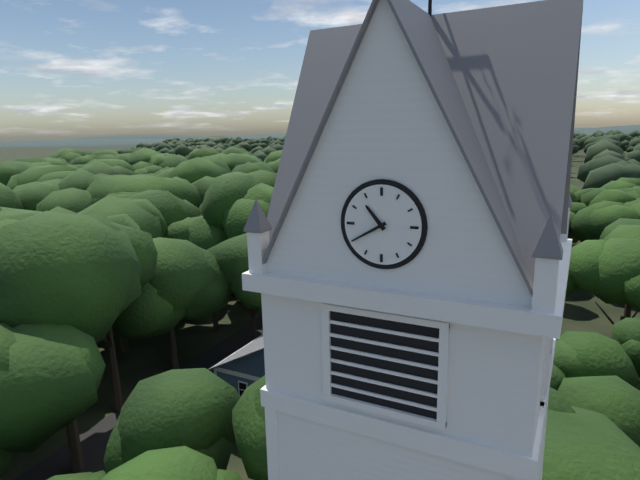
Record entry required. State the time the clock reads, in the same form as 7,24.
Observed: 10,40
